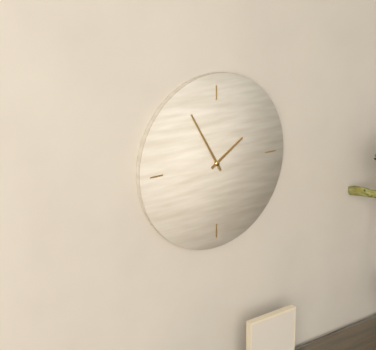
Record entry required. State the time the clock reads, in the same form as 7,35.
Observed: 1,55
